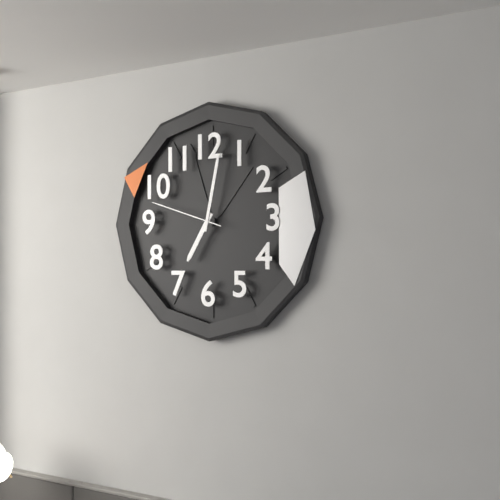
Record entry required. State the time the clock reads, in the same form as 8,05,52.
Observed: 7,02,48
